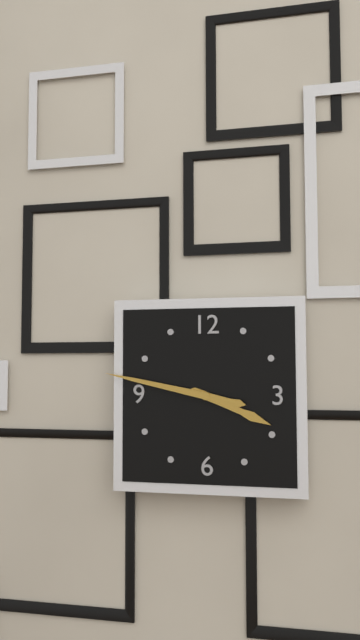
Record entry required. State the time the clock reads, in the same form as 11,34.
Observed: 3,47
